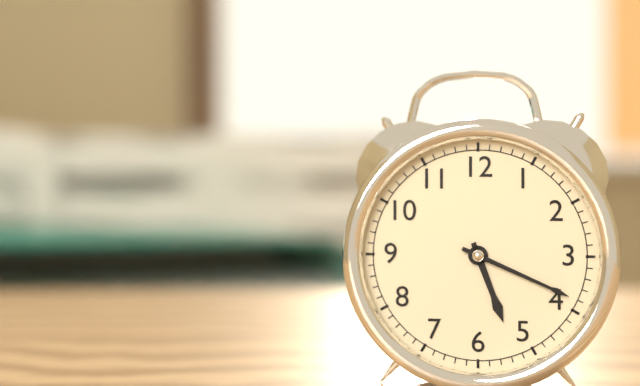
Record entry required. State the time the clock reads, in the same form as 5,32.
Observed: 5,19
